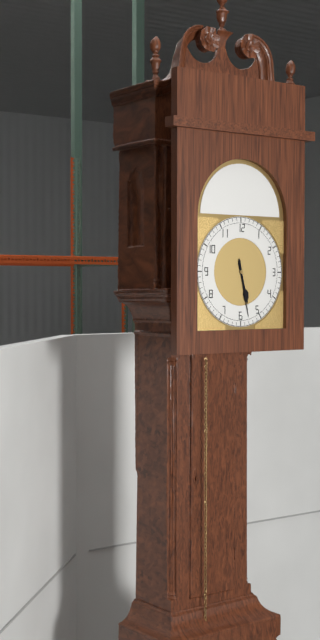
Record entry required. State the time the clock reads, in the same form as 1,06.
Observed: 5,28
